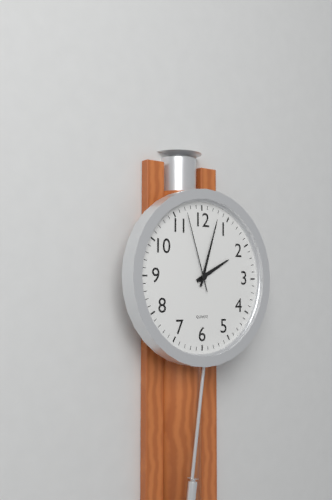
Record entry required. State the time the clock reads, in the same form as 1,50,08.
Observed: 2,03,57
